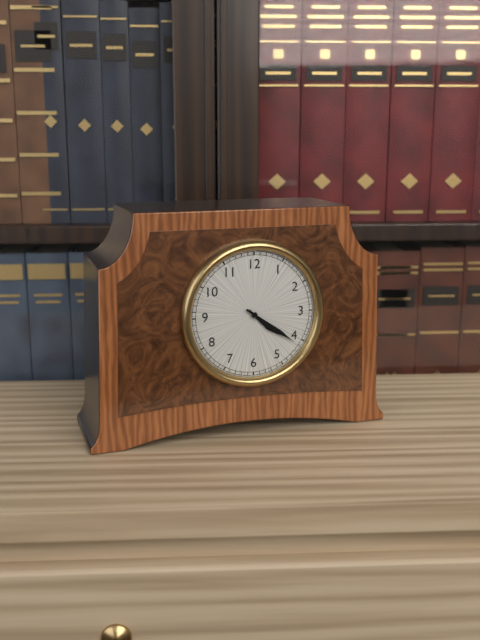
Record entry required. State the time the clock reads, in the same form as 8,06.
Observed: 4,21
